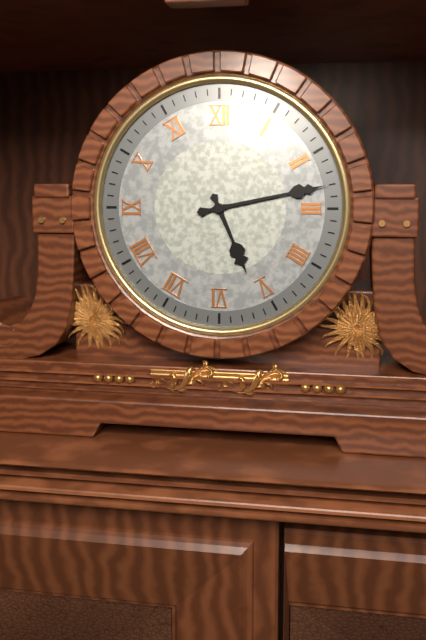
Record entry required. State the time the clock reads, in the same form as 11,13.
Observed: 5,13
